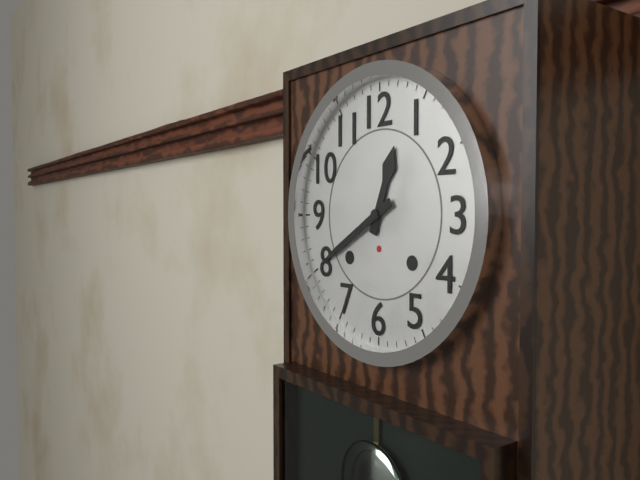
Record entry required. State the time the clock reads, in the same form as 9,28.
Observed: 12,40
